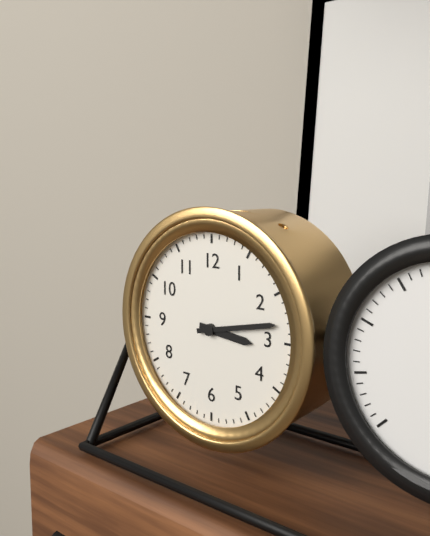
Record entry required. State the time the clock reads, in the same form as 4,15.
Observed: 3,13
